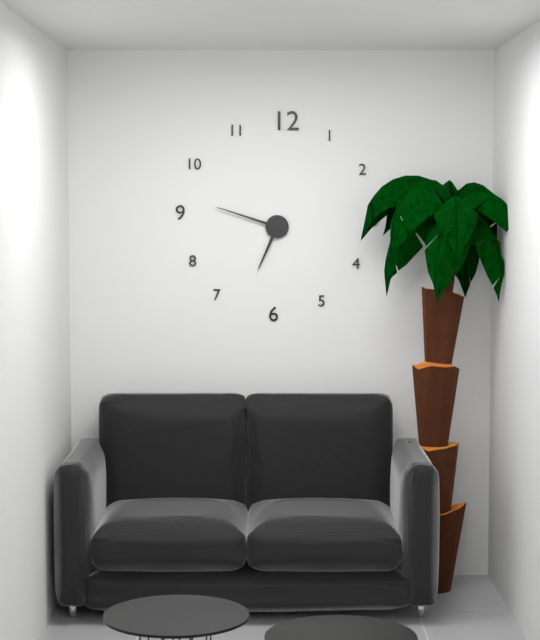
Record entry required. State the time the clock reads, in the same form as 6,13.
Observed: 6,48
